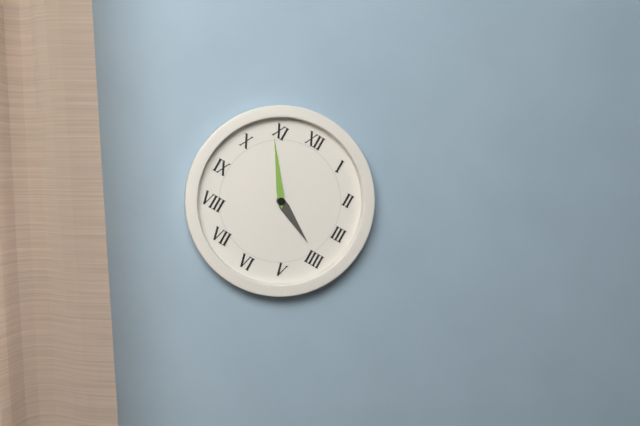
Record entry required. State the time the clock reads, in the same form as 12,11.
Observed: 3,54
